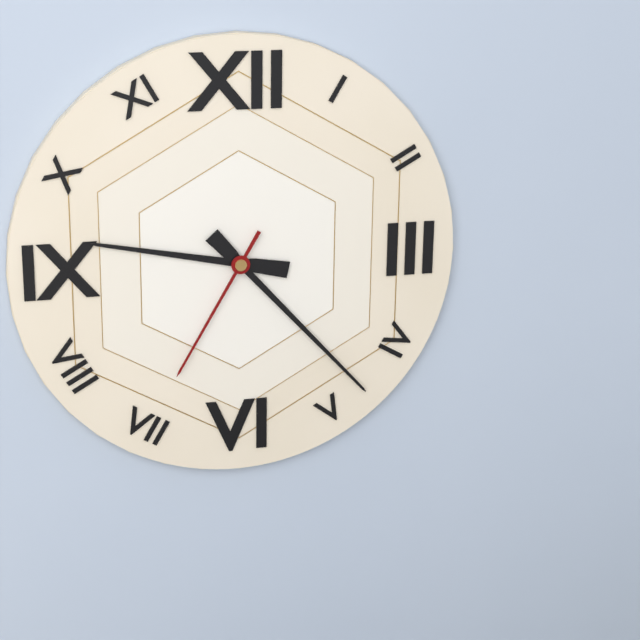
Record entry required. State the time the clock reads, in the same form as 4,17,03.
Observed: 9,23,35
